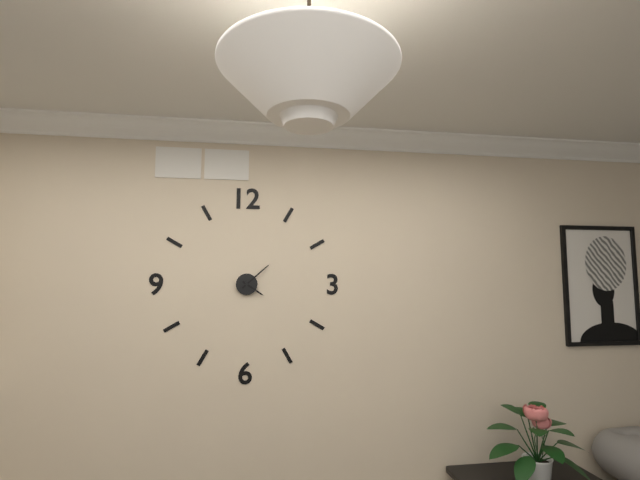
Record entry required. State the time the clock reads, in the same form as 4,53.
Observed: 4,08
